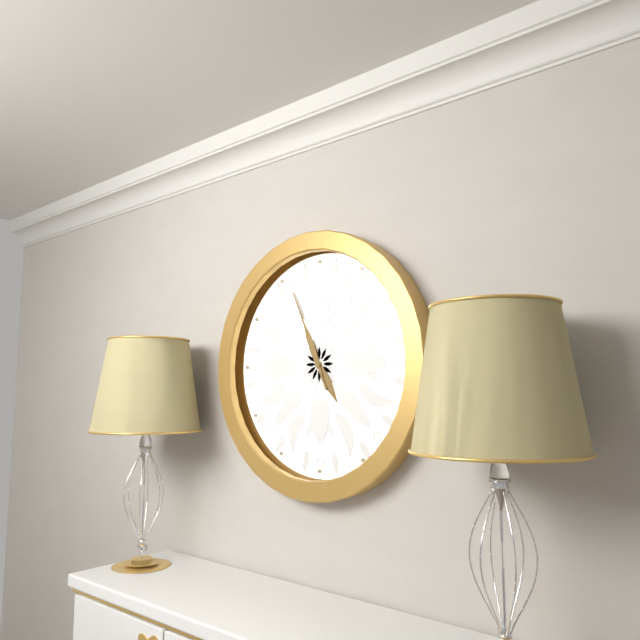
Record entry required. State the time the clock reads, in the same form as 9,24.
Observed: 4,56
